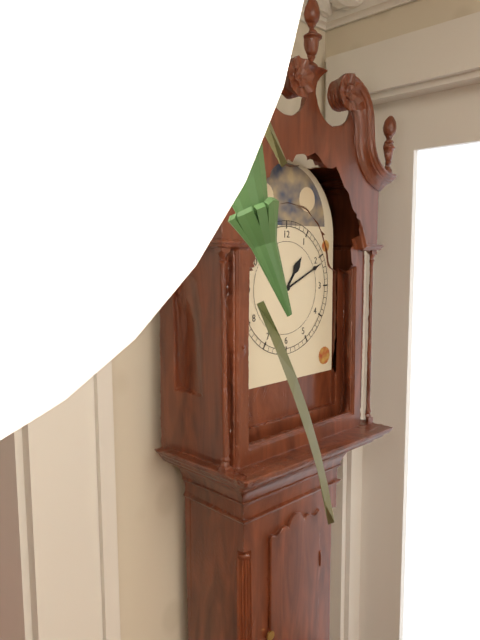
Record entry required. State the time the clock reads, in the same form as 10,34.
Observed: 1,11
